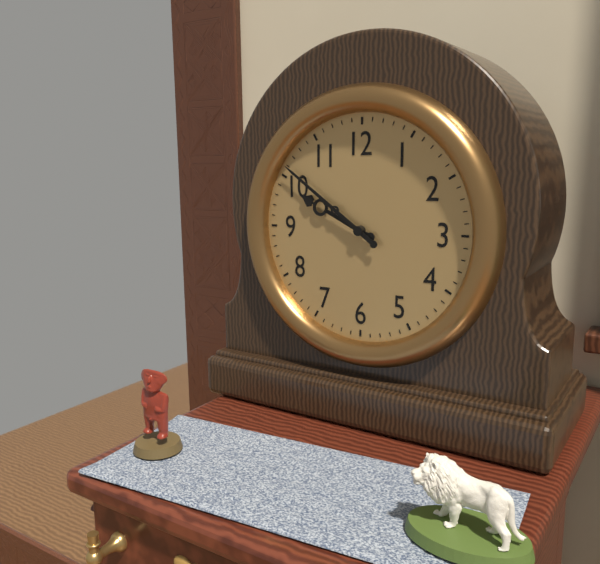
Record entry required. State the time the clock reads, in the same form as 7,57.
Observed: 9,51
